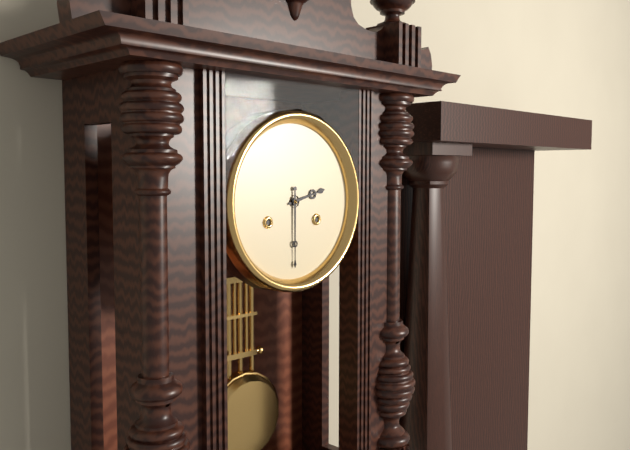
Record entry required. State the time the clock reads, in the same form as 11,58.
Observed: 2,30
